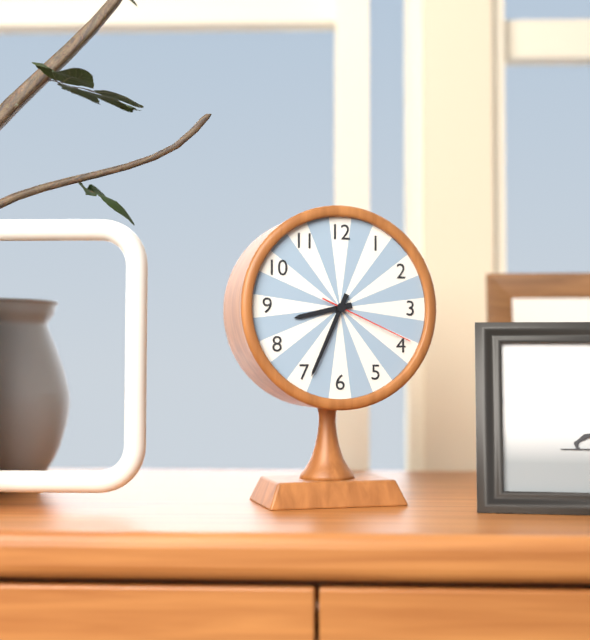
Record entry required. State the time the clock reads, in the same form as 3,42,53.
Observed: 8,34,19
